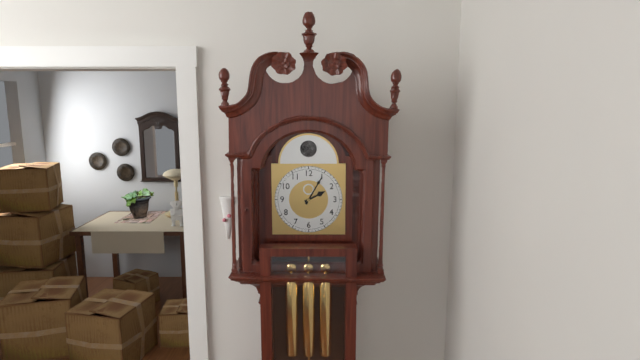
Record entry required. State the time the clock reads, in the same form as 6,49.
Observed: 2,05
